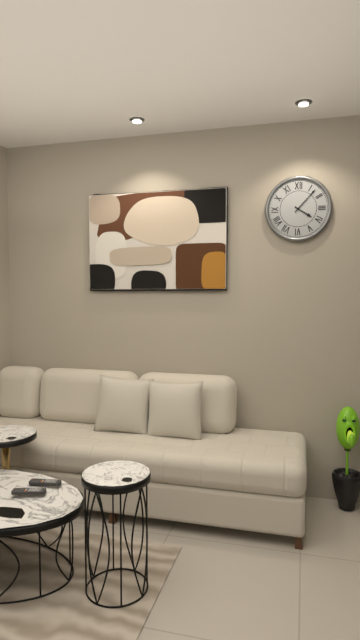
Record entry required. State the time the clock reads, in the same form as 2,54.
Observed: 4,07
